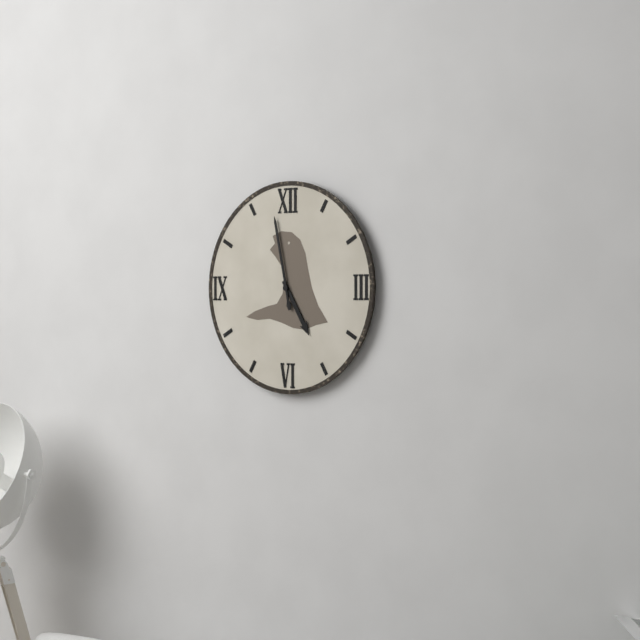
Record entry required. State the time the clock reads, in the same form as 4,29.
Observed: 4,58
